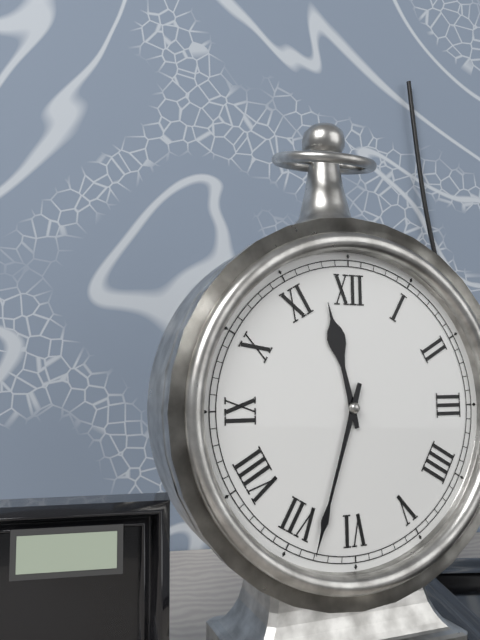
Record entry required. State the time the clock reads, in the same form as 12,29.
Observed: 11,33
